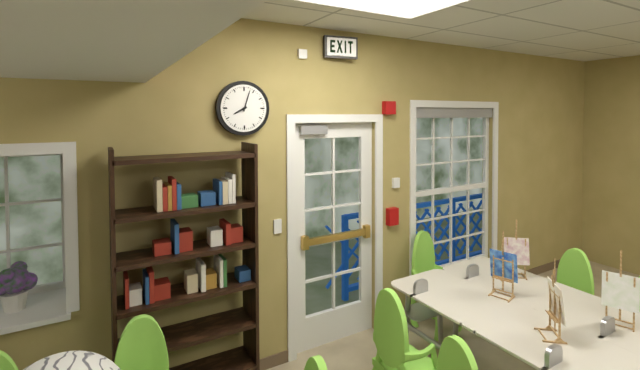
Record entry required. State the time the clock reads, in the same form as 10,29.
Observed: 8,03
